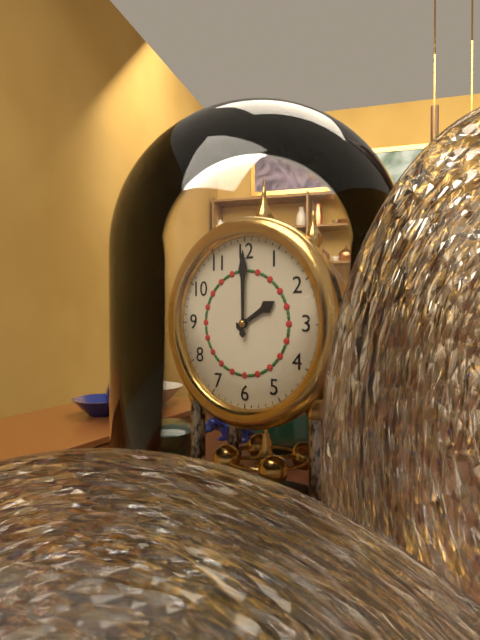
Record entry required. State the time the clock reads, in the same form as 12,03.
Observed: 2,00
